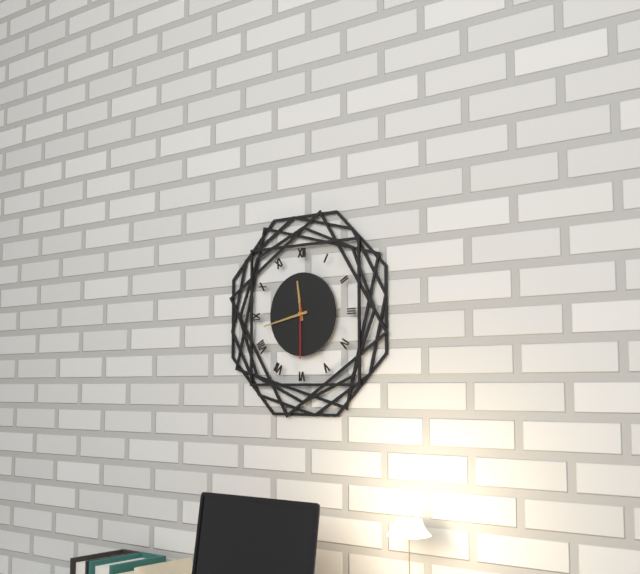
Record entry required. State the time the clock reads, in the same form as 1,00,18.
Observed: 11,43,30
